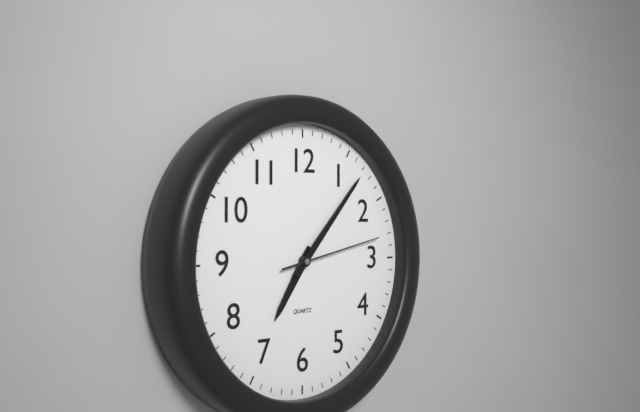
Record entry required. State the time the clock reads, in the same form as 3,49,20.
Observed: 7,07,13
